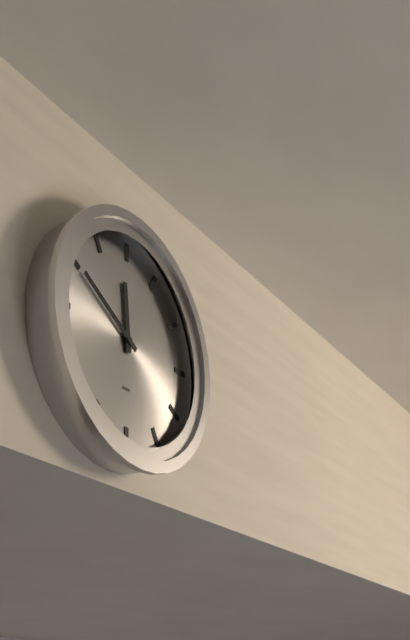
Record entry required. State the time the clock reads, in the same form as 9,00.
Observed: 11,50
